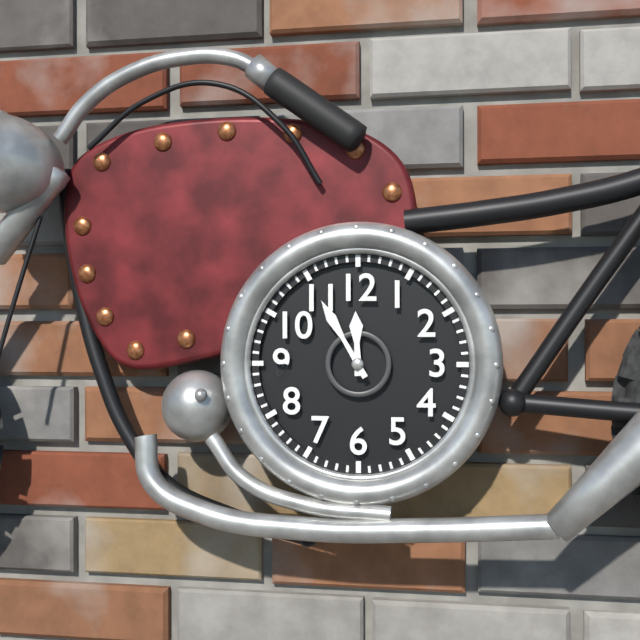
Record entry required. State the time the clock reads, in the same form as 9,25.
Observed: 11,55
